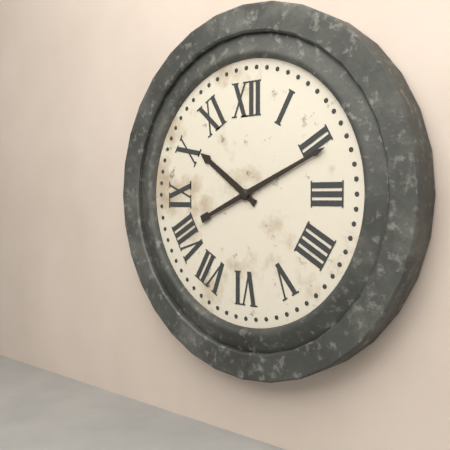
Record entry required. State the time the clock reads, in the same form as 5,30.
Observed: 10,11
